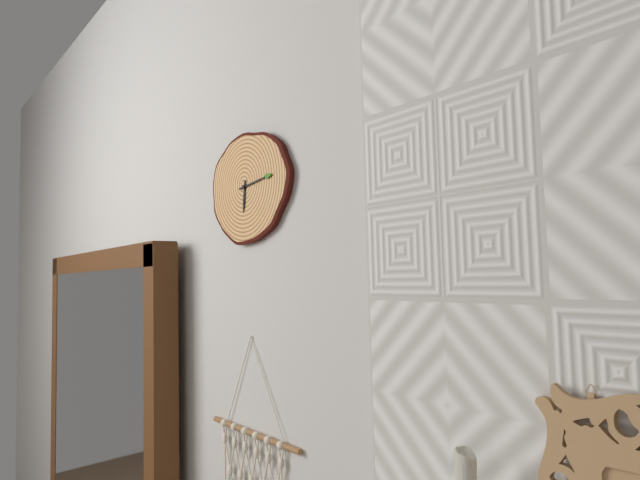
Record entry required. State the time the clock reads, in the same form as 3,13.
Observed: 6,14
